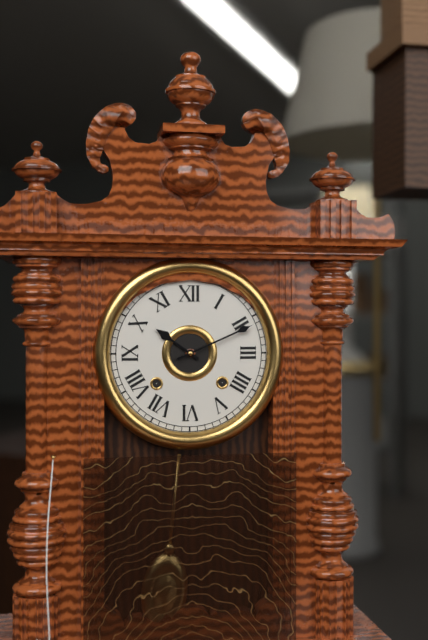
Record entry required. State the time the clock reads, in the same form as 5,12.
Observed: 10,11
